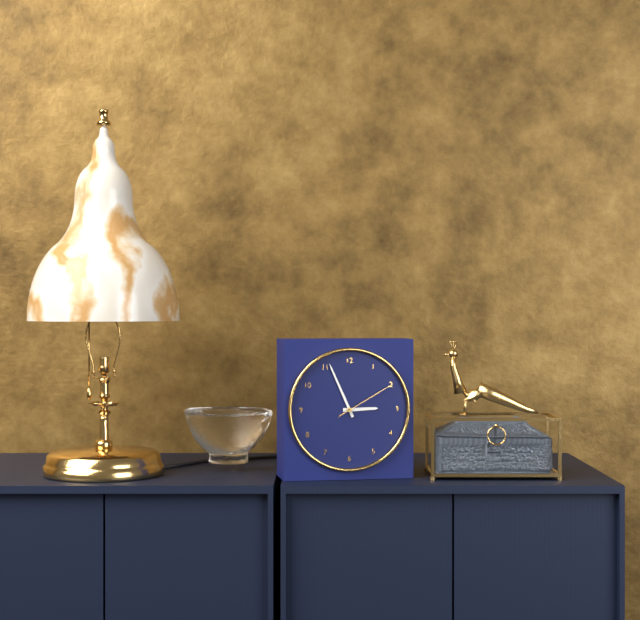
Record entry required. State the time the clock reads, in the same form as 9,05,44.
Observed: 2,56,10
